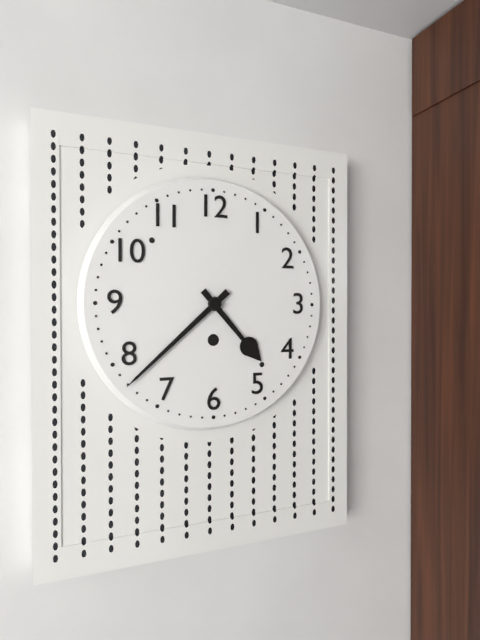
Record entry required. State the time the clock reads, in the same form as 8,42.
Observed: 4,38
